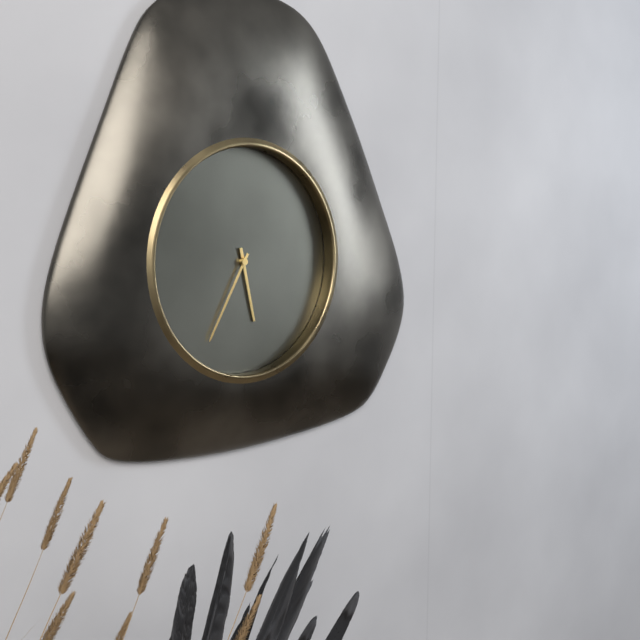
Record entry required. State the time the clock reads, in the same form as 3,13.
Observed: 5,35
